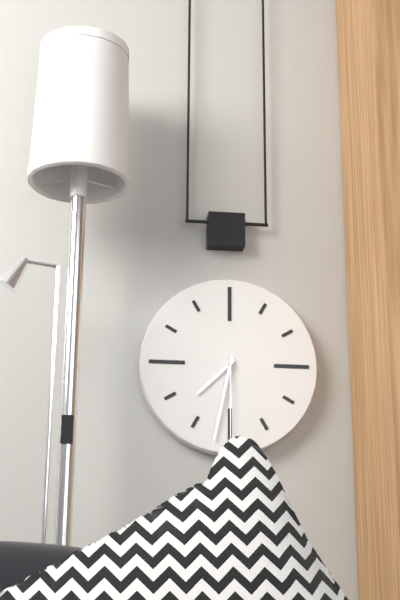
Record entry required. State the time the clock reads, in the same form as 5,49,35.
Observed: 7,32,30
